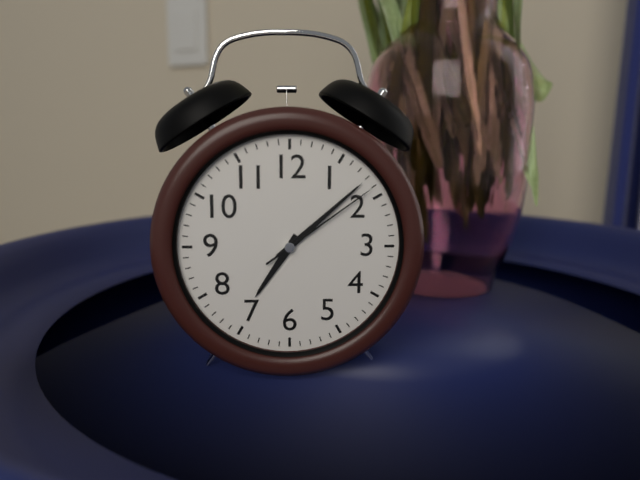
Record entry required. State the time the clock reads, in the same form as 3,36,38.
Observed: 7,08,09
